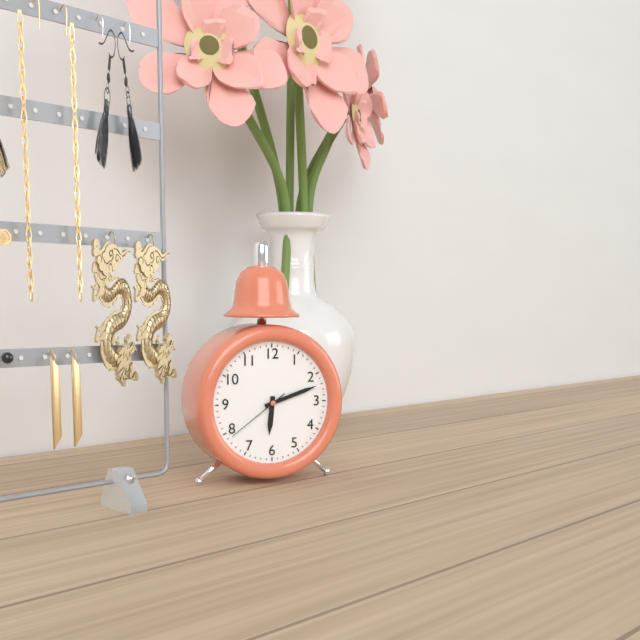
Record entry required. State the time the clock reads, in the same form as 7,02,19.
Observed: 6,12,39
